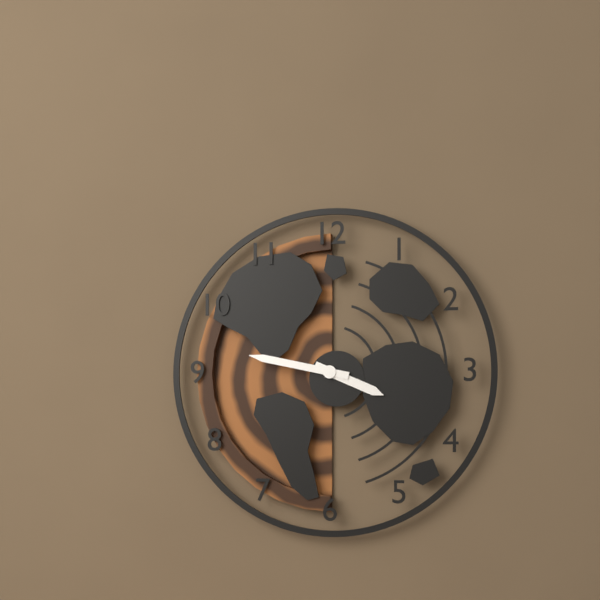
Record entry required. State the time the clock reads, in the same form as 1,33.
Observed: 3,47
